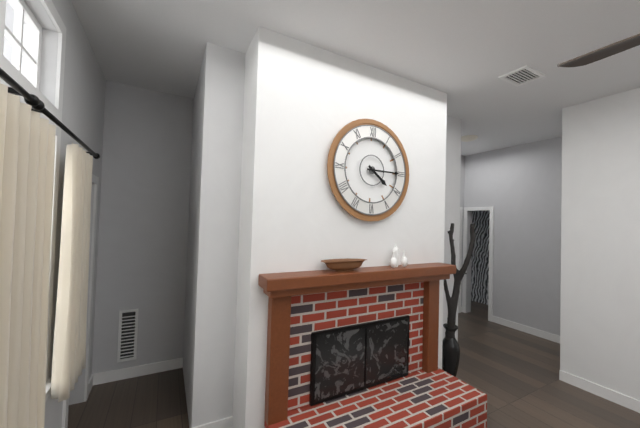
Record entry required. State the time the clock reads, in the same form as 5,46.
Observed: 4,15
